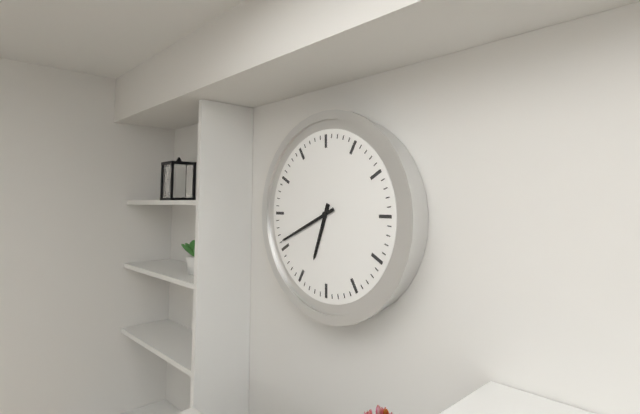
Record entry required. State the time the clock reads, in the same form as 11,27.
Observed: 6,41
